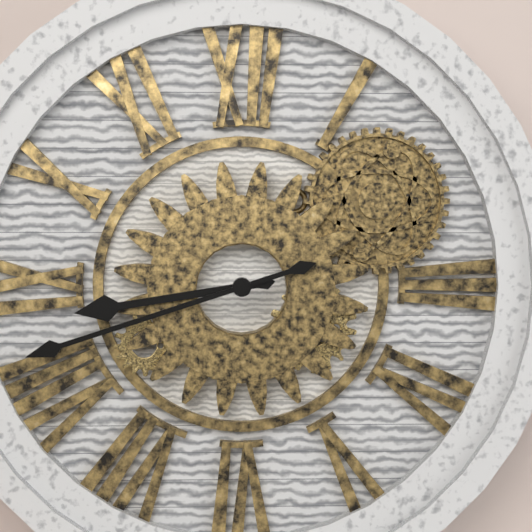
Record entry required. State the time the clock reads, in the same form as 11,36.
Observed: 8,42
